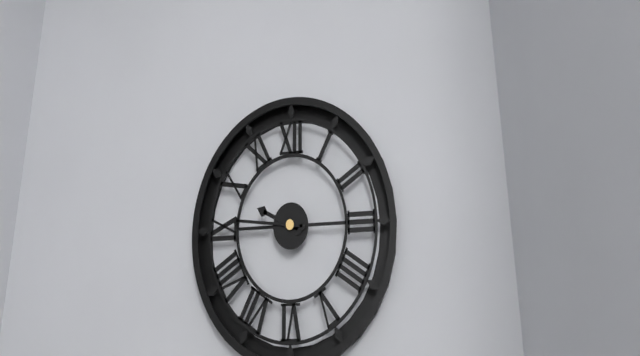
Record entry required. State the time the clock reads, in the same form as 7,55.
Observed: 9,46
